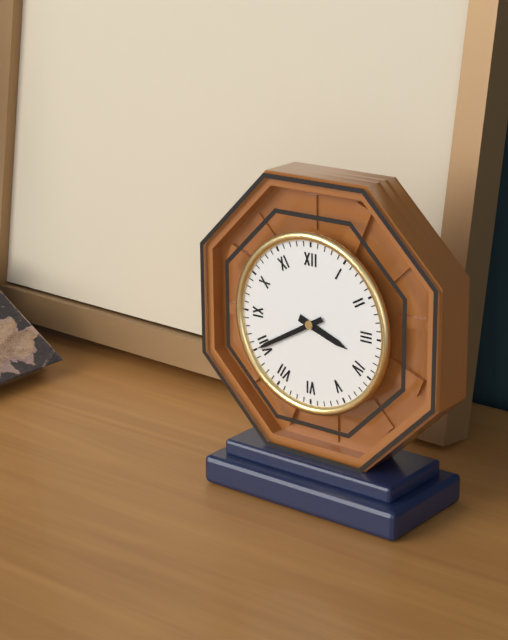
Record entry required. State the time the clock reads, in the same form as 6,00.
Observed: 3,40
